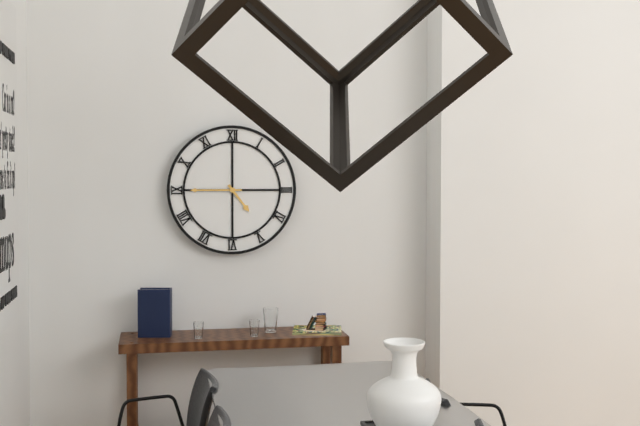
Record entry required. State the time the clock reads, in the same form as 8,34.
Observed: 4,45
